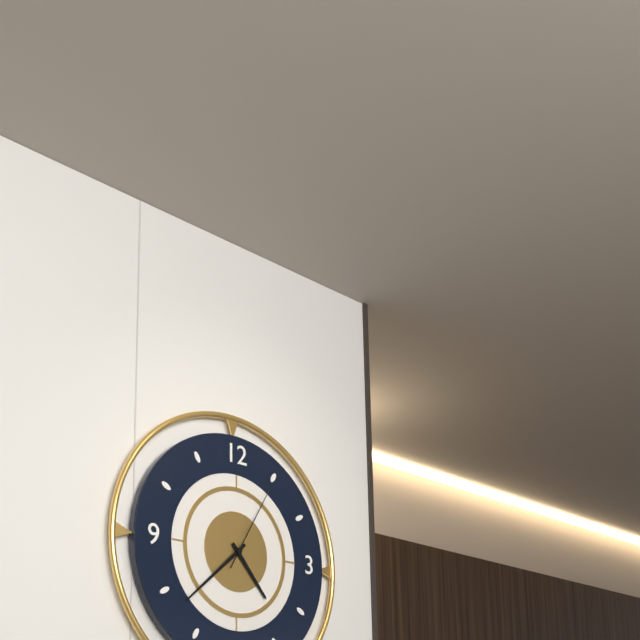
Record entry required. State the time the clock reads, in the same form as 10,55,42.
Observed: 4,38,05
